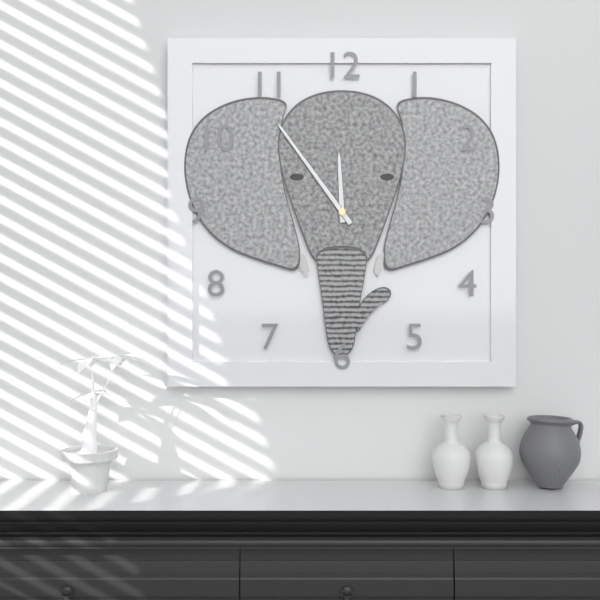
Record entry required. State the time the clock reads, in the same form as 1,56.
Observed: 11,54
